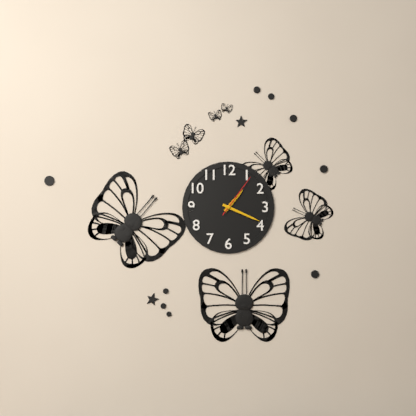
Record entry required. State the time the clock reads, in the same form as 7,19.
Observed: 1,19
